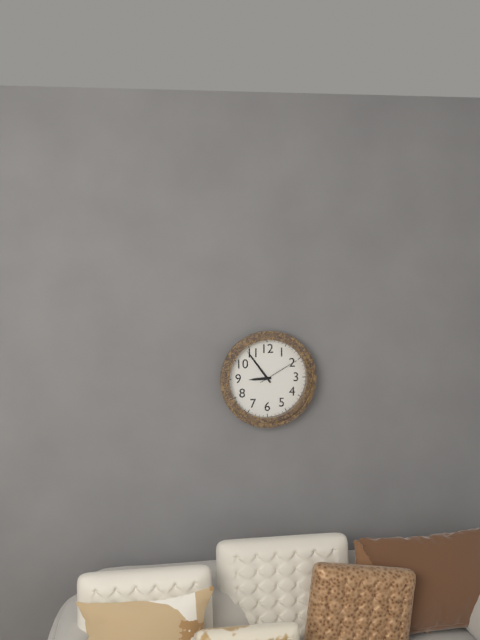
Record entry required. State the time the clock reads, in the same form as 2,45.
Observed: 8,54
